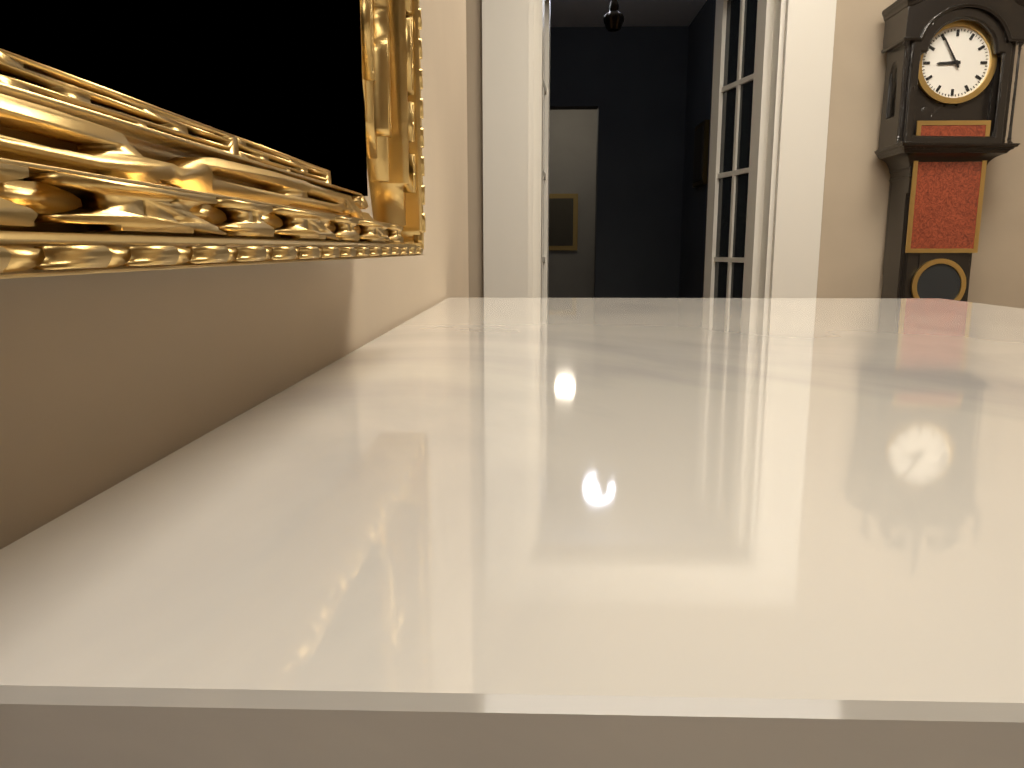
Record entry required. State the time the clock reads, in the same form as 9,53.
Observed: 8,55
